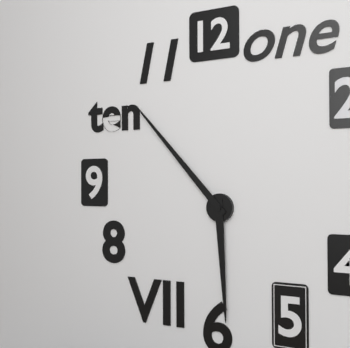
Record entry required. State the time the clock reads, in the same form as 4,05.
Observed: 5,53
